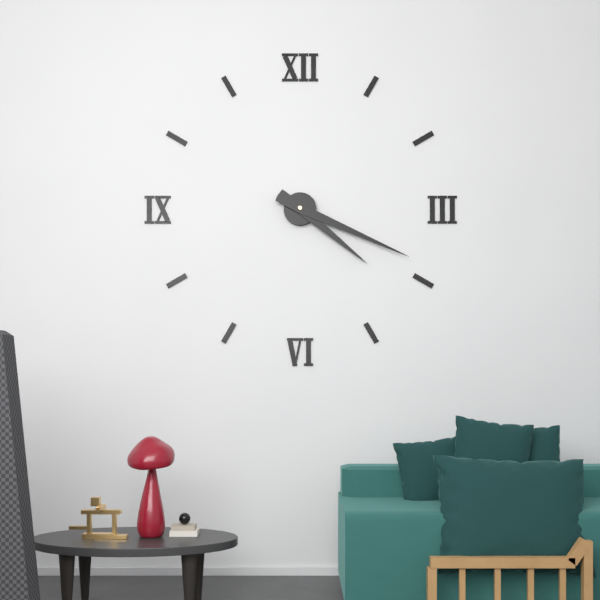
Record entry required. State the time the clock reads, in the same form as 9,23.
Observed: 4,19
